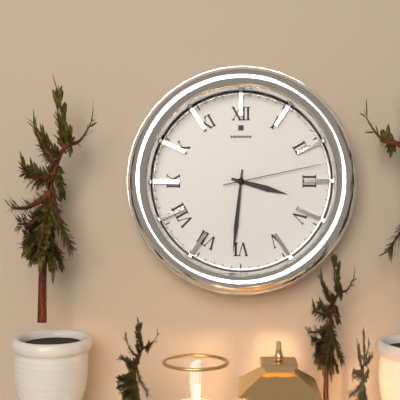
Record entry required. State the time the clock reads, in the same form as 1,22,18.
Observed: 3,31,13
